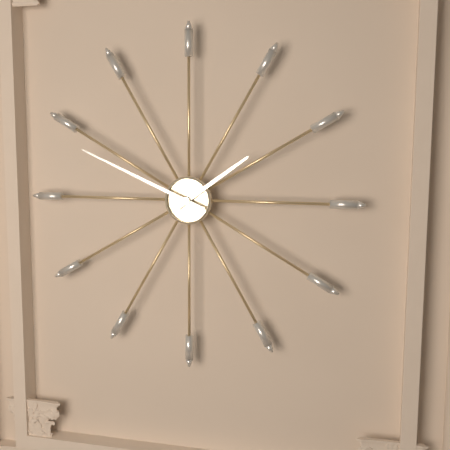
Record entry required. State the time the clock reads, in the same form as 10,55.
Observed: 1,49
